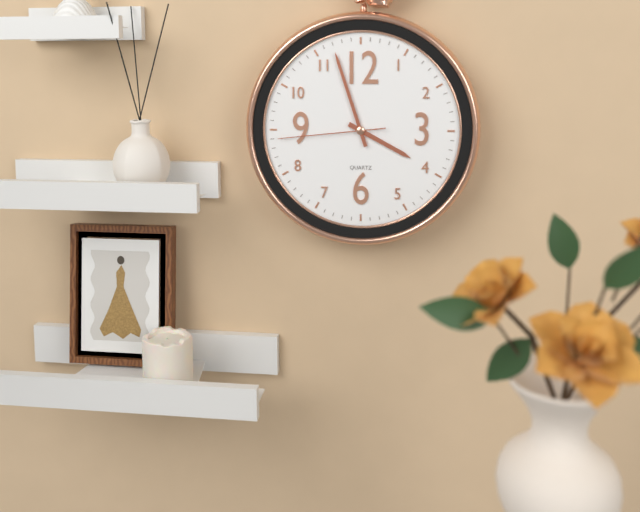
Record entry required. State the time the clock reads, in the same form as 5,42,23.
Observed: 3,57,44
